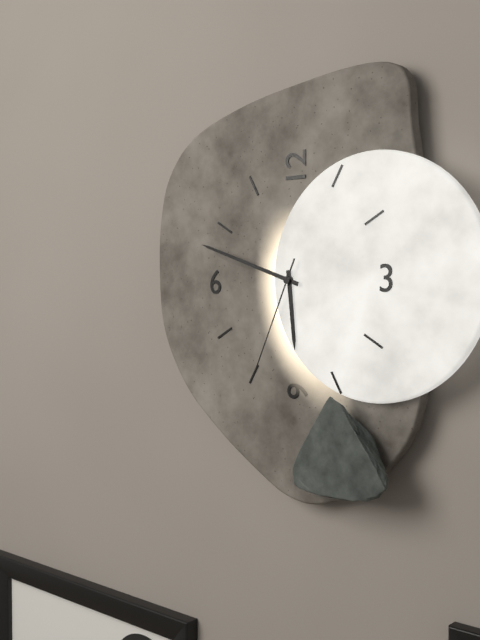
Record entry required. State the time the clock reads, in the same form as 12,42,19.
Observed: 5,48,34
